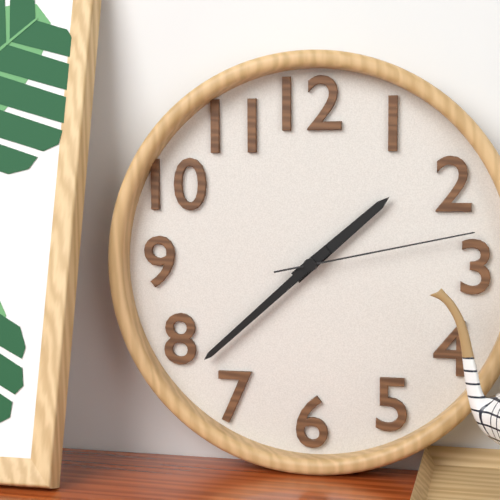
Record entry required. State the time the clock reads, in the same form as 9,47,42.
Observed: 1,38,13
